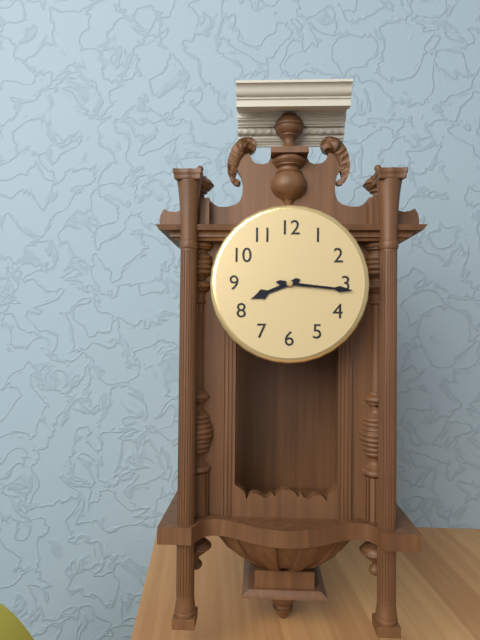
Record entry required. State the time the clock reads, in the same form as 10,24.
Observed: 8,16
